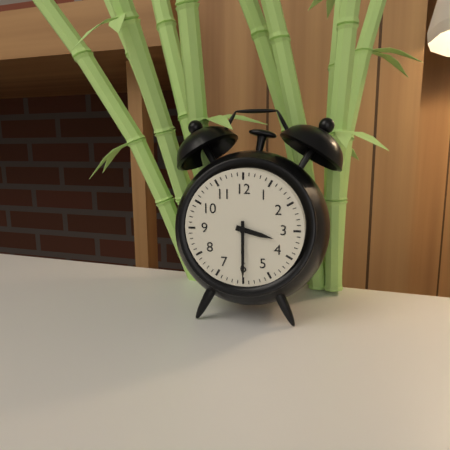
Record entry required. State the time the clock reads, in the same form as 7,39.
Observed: 3,30
